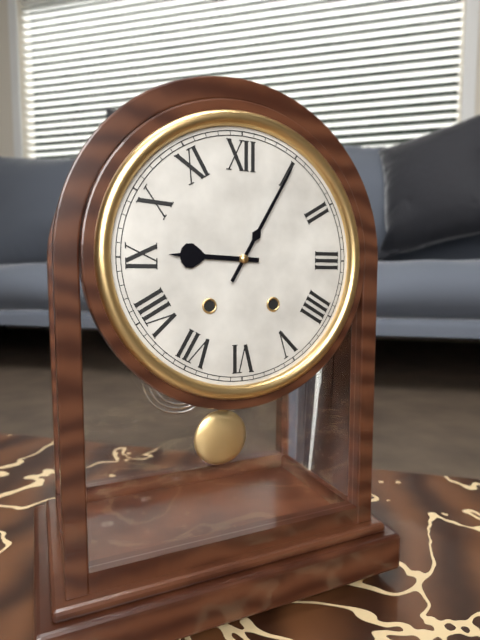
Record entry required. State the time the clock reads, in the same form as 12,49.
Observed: 9,05
